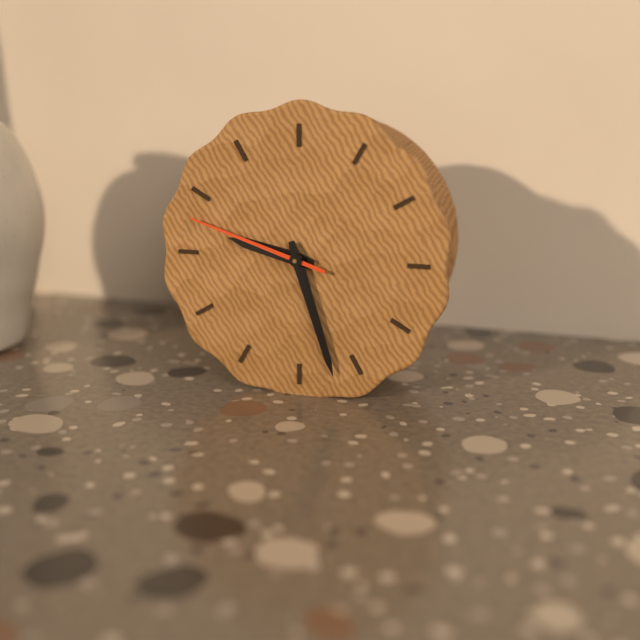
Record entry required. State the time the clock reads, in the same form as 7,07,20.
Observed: 9,27,48
